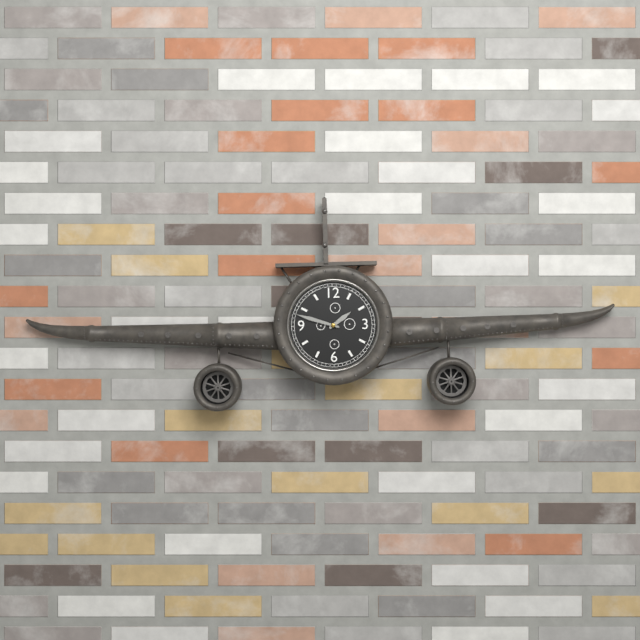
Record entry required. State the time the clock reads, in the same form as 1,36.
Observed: 1,48
